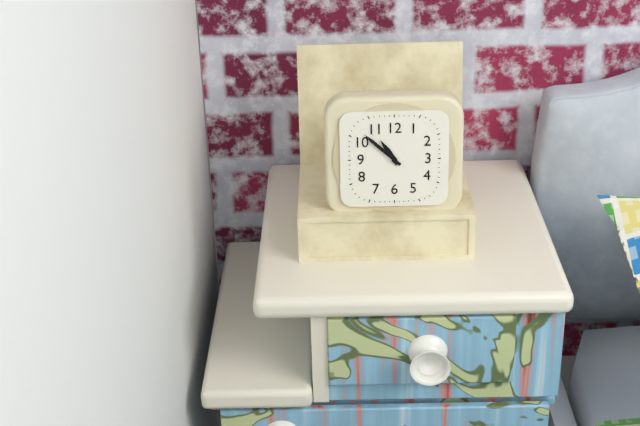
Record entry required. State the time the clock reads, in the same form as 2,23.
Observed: 10,52
